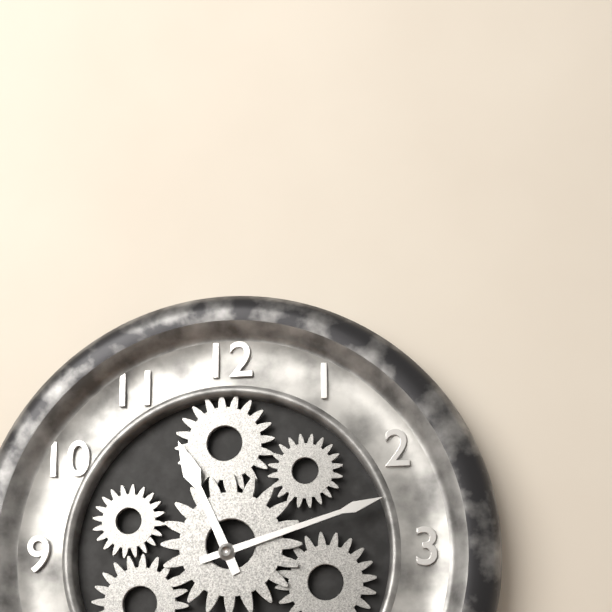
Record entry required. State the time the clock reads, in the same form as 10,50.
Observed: 11,12
